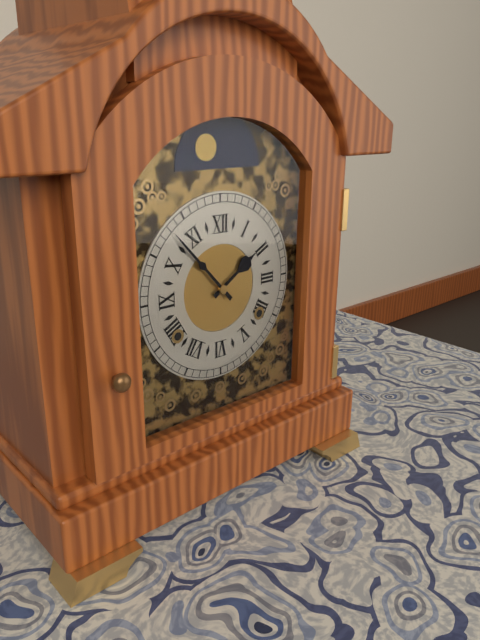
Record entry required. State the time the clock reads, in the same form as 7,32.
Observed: 1,53
